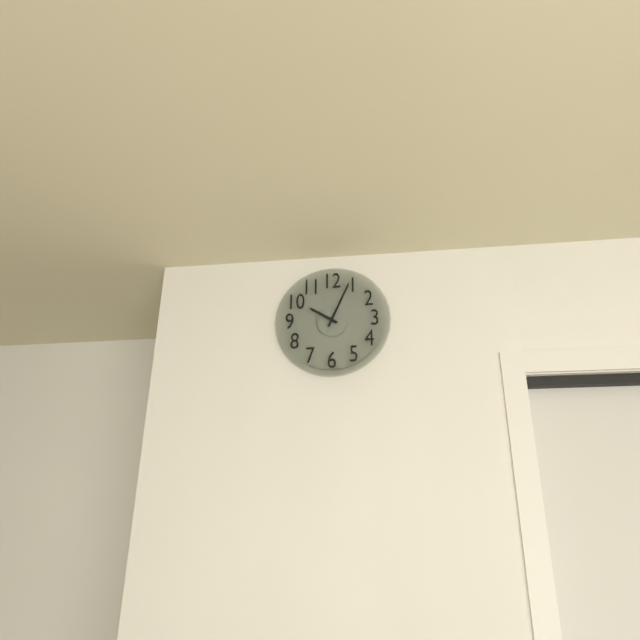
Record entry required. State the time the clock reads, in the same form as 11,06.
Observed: 10,04
